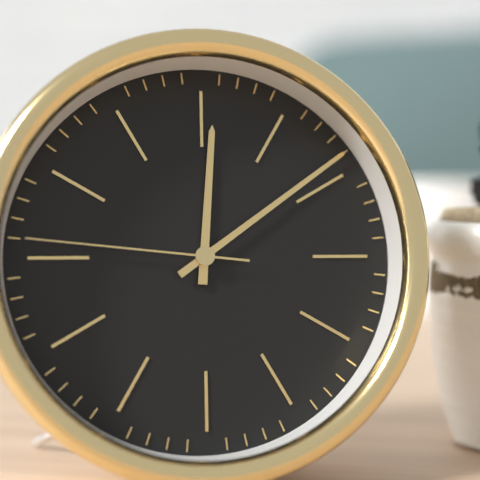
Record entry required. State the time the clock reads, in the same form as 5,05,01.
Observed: 12,09,46
